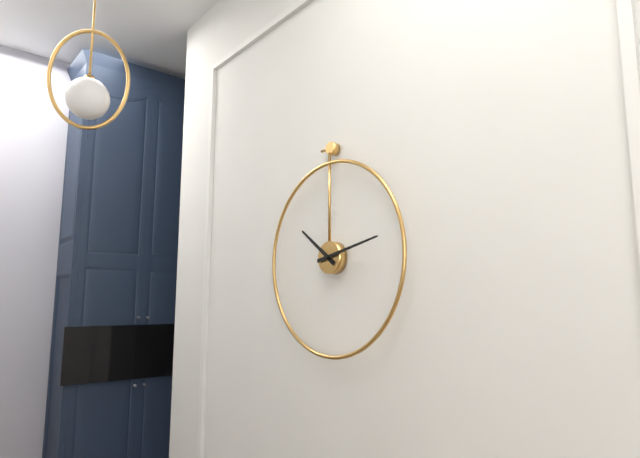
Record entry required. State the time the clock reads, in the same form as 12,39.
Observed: 10,13
